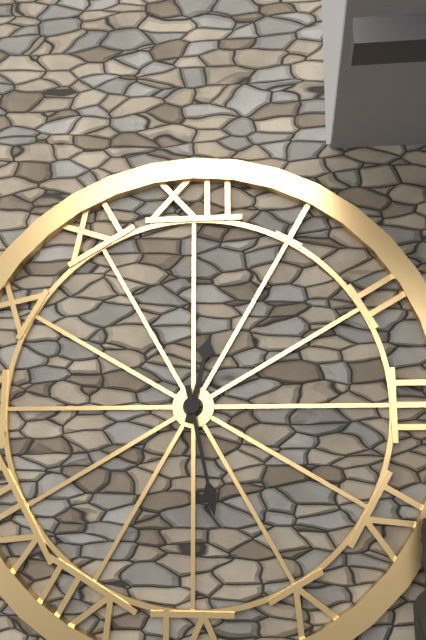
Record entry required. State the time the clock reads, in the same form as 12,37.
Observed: 12,28
